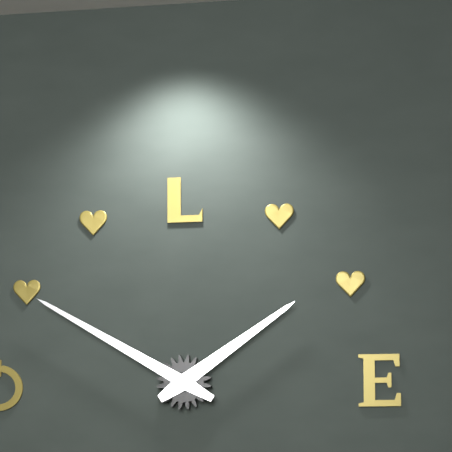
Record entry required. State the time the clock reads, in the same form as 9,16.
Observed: 1,50
